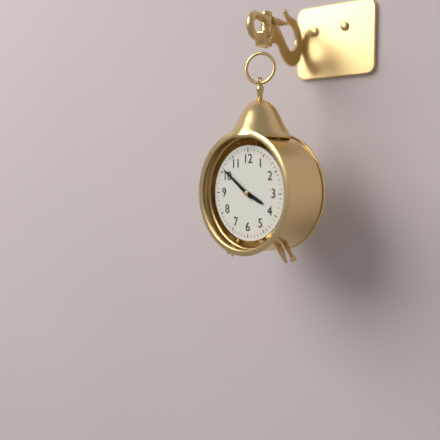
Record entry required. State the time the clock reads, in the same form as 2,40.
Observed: 3,51
